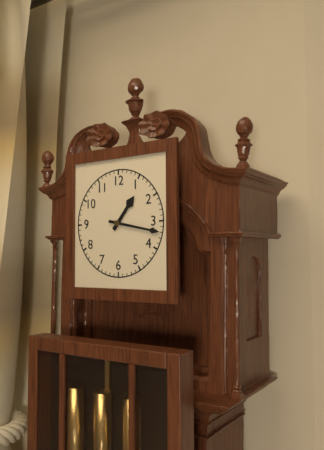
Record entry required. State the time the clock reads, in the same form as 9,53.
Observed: 1,17
